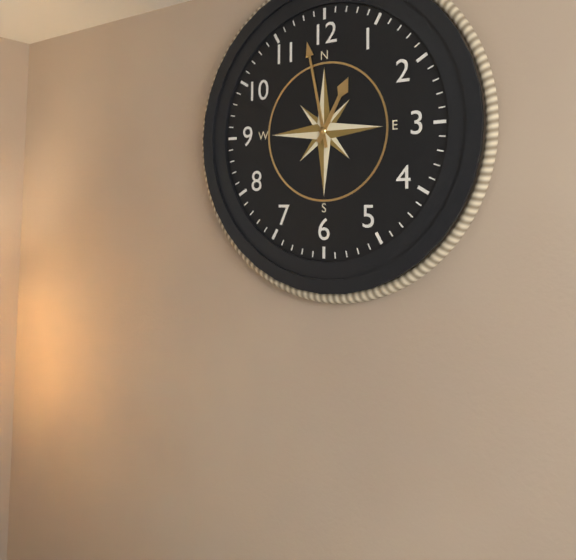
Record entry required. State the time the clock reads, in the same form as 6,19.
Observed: 12,58
